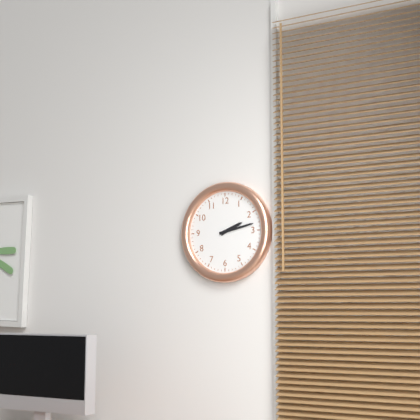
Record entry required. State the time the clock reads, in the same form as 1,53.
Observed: 2,13
